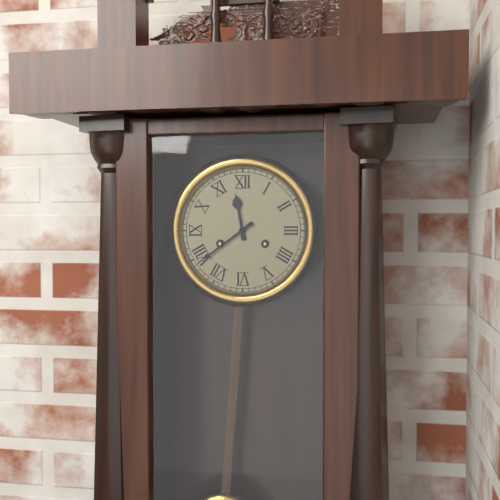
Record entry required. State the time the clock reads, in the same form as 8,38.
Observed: 11,39
